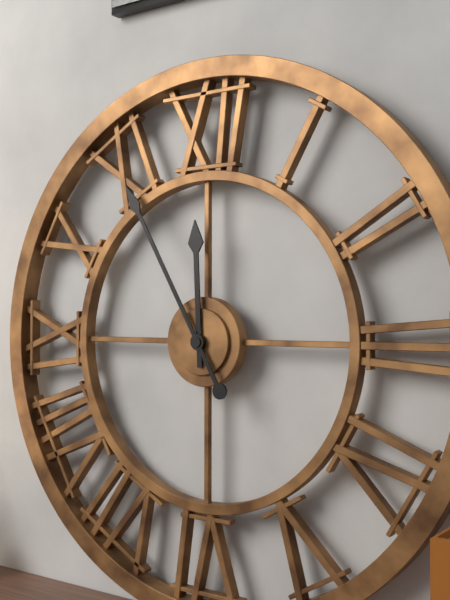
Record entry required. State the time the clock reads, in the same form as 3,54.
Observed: 11,55
